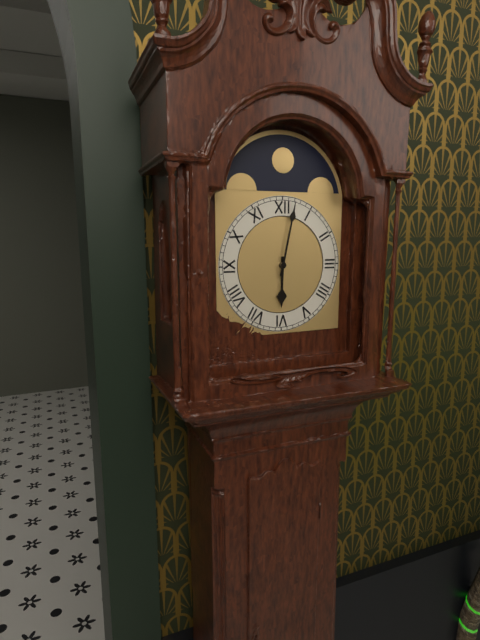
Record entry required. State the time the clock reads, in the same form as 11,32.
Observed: 6,02
